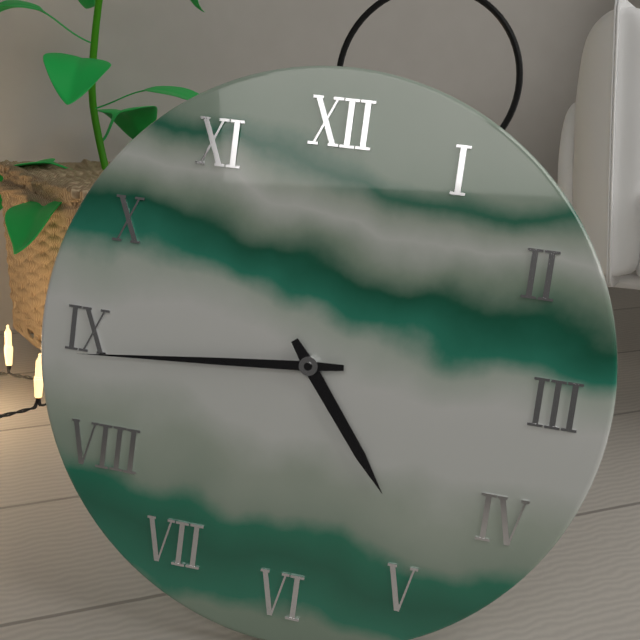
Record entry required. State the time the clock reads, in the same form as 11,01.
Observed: 4,44
